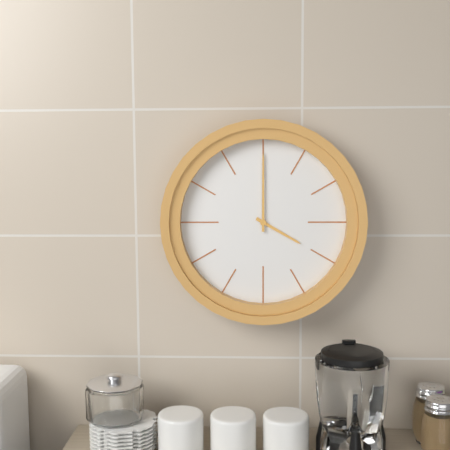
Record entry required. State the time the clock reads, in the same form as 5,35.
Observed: 4,00
